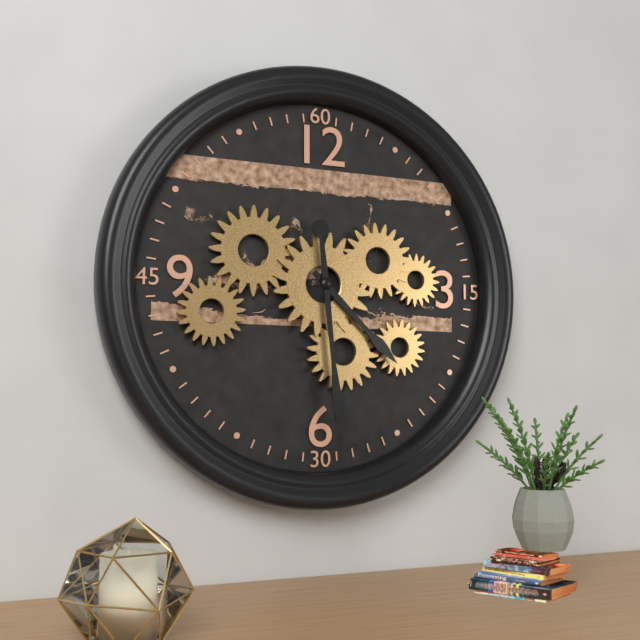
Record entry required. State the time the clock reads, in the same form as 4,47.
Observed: 4,29
